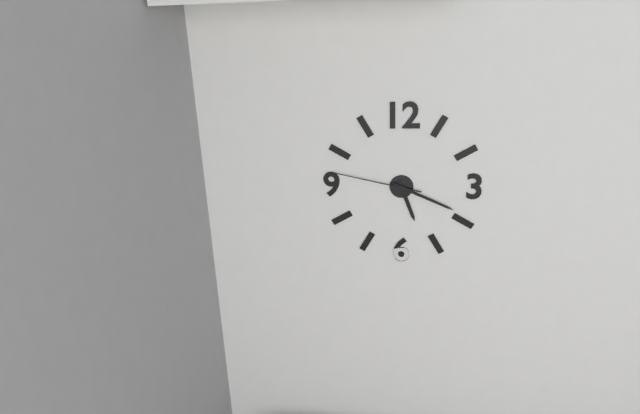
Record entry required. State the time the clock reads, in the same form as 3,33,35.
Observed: 5,19,47
